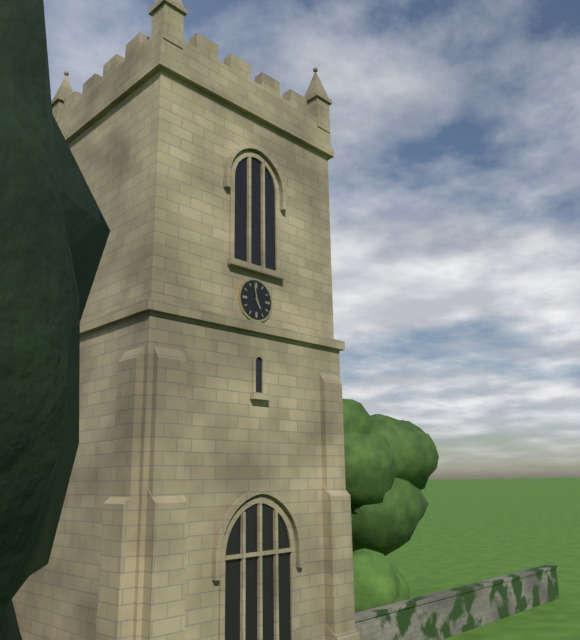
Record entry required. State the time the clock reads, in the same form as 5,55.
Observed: 4,58
